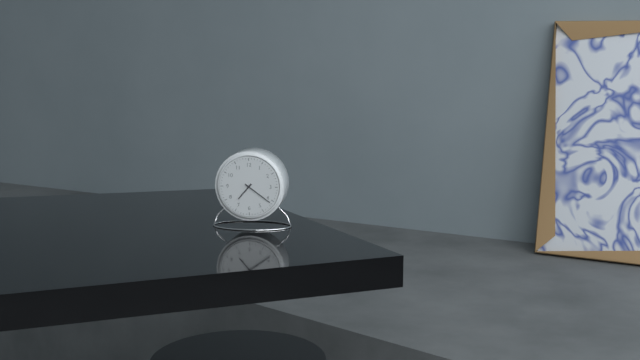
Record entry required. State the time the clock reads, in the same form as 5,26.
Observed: 7,21
